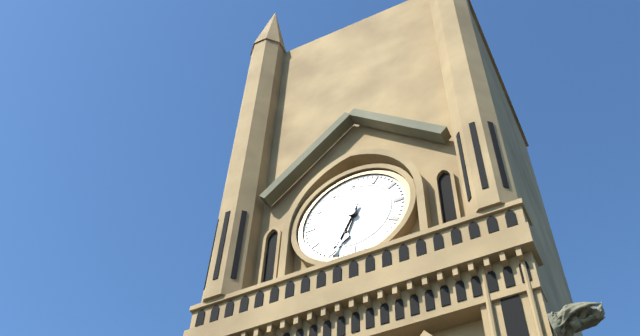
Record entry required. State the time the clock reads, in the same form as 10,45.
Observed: 6,34
